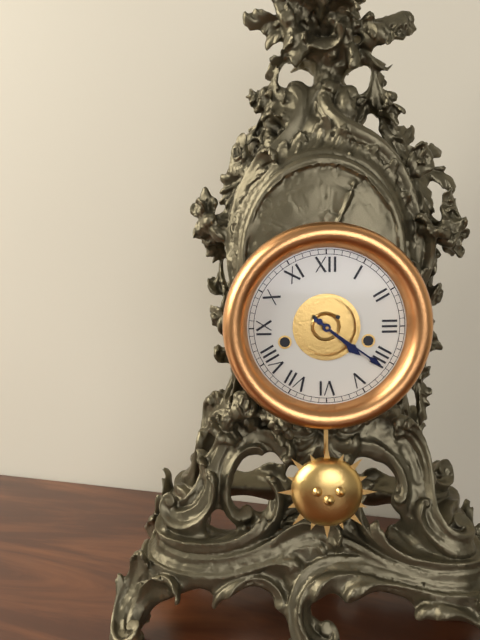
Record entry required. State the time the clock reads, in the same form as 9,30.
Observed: 4,21
